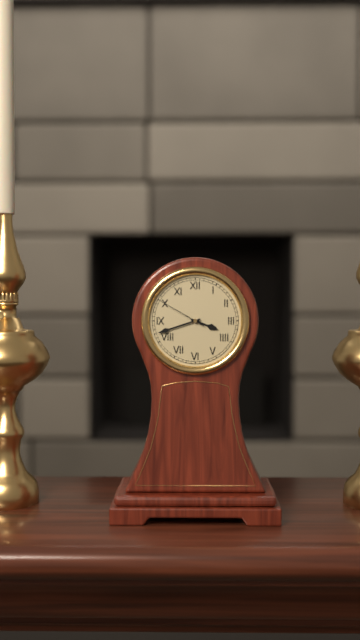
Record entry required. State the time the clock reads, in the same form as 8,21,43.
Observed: 3,42,50
